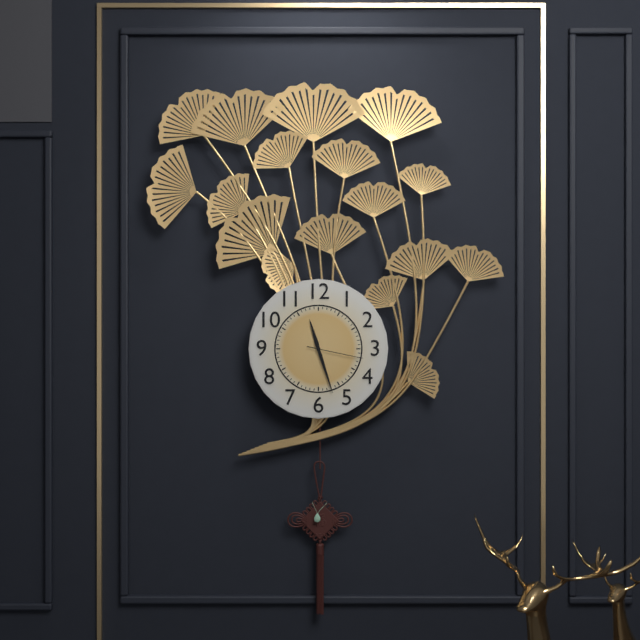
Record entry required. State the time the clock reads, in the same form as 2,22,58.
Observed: 11,27,17
